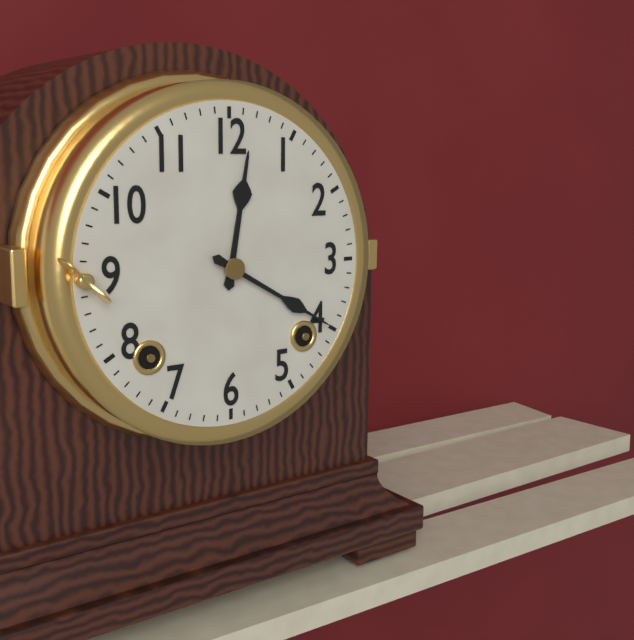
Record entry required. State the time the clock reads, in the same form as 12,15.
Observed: 12,20
